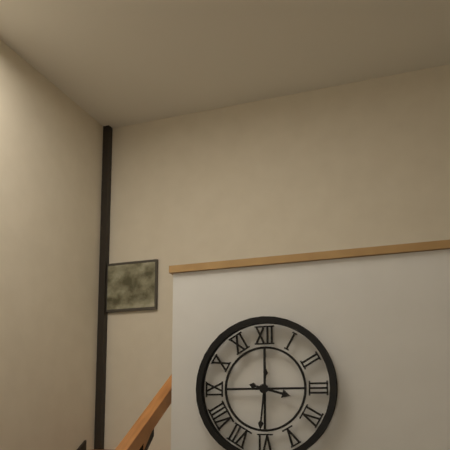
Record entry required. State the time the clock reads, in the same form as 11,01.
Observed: 3,31
